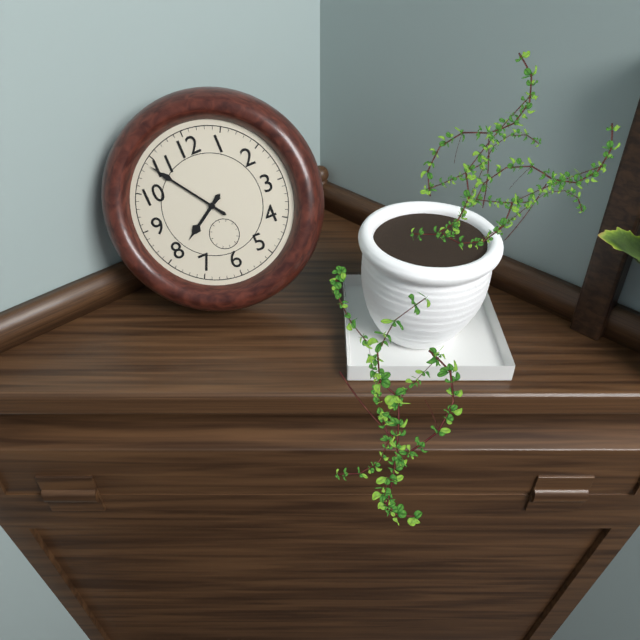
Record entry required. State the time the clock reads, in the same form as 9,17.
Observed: 7,54
